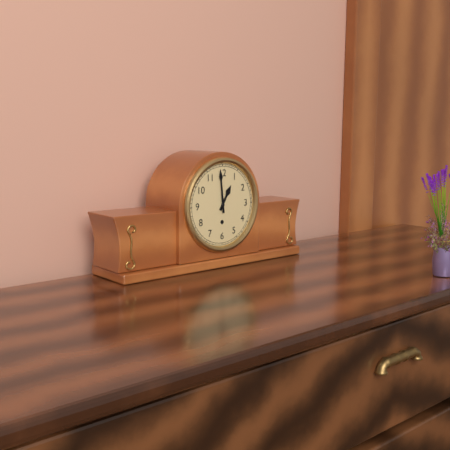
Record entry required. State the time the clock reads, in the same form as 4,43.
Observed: 12,59
